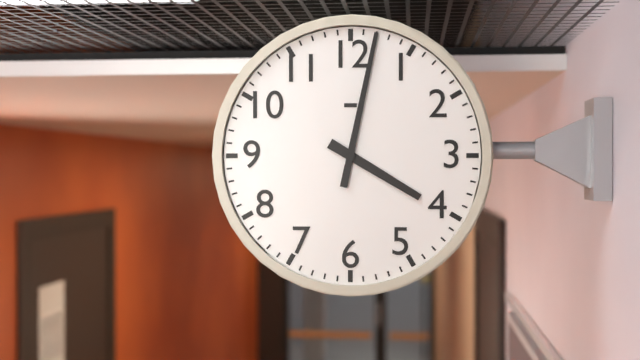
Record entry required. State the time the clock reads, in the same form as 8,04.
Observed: 4,02
